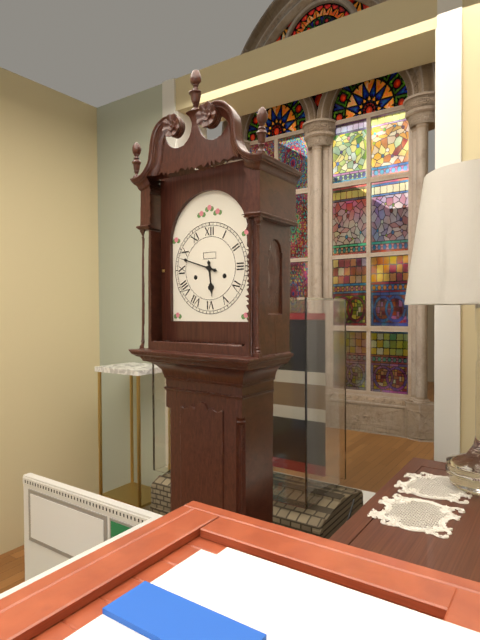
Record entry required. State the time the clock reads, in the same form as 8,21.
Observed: 5,48
